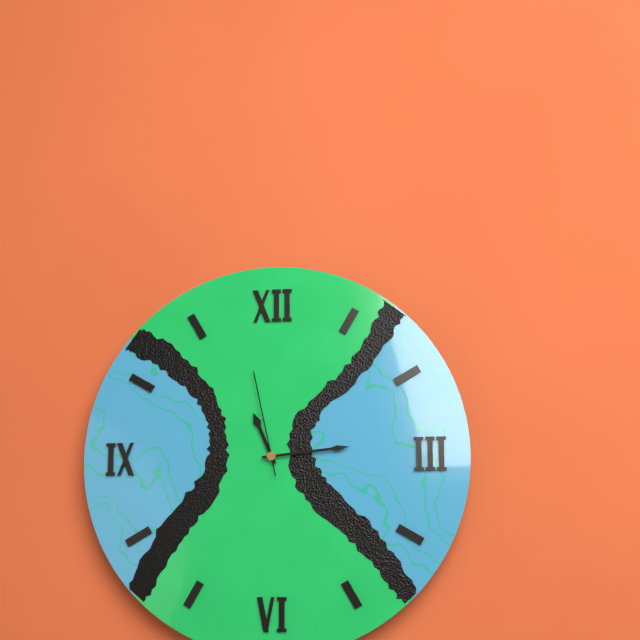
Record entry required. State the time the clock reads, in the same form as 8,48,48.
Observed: 11,14,58
